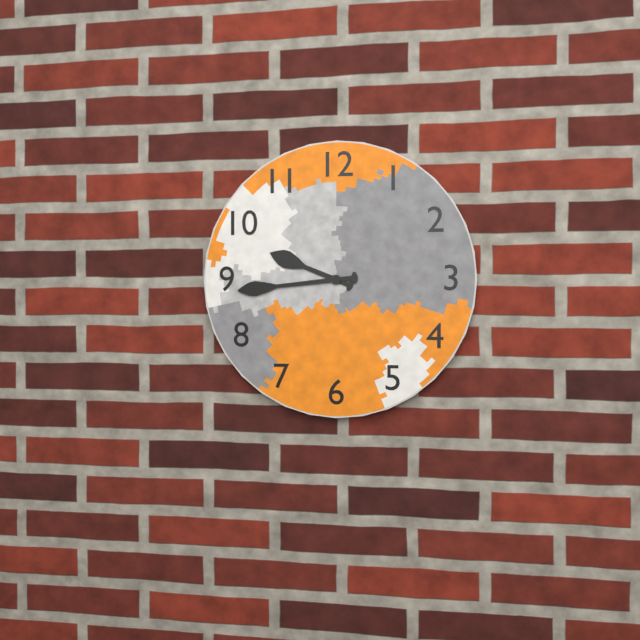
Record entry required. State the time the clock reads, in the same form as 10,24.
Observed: 9,44
